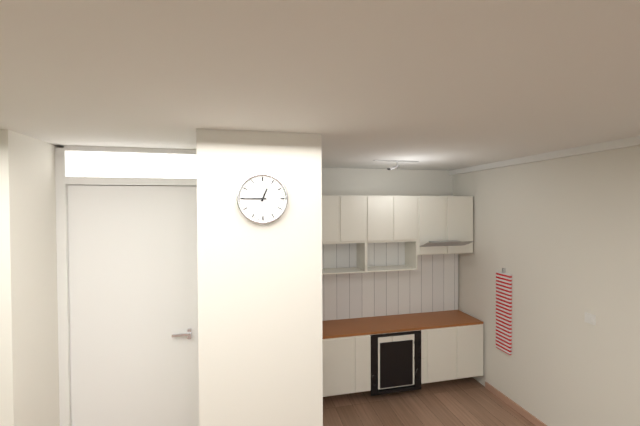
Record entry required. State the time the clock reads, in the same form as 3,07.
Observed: 12,45
